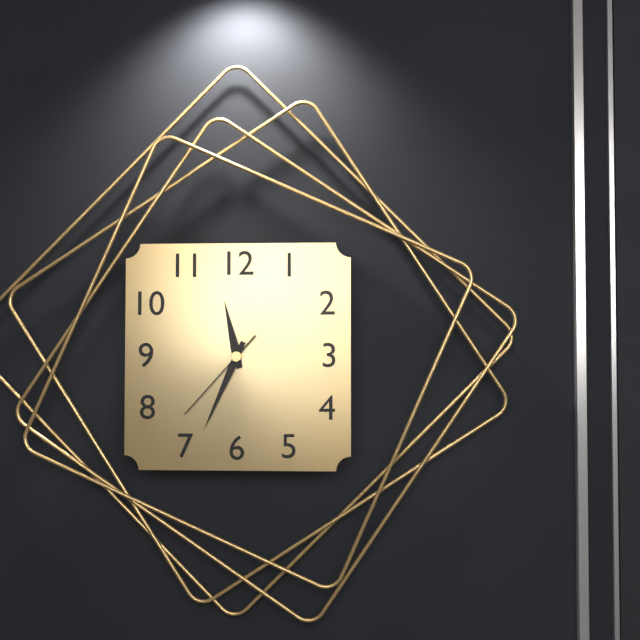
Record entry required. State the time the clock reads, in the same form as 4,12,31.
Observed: 11,34,37
